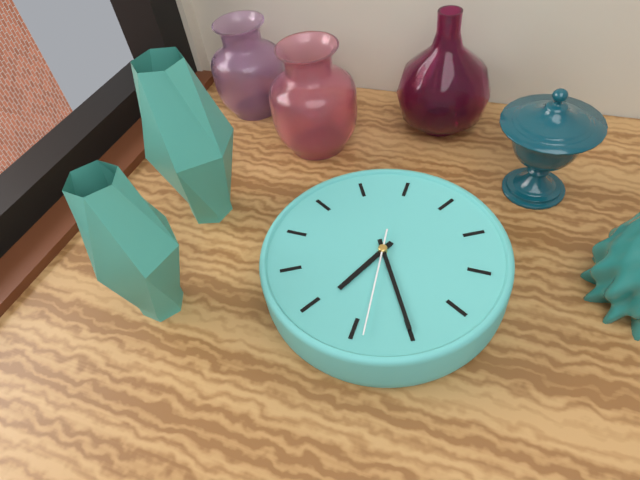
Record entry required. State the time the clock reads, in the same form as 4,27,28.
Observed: 11,50,54
